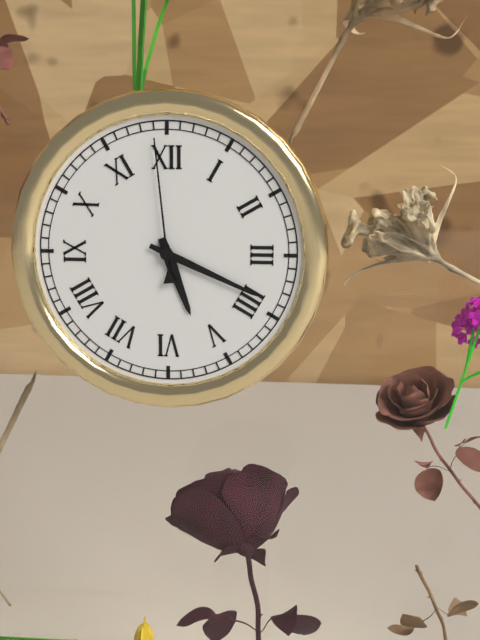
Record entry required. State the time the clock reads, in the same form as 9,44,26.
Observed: 5,19,59
